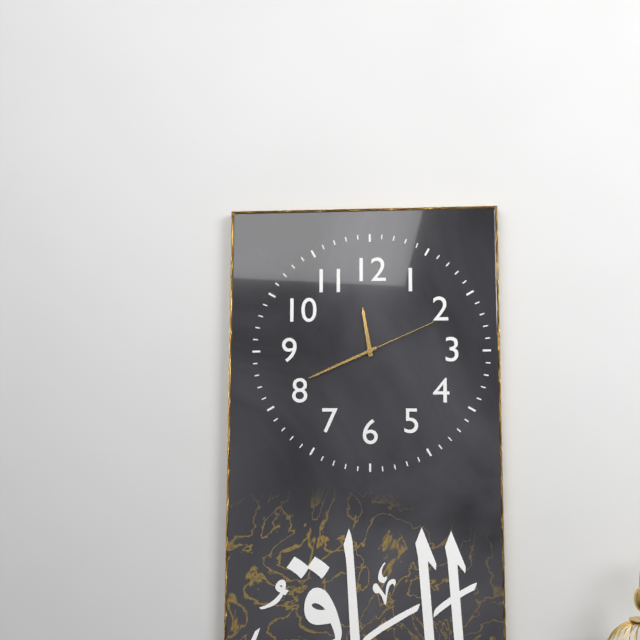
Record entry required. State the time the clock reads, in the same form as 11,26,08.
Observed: 11,41,11
